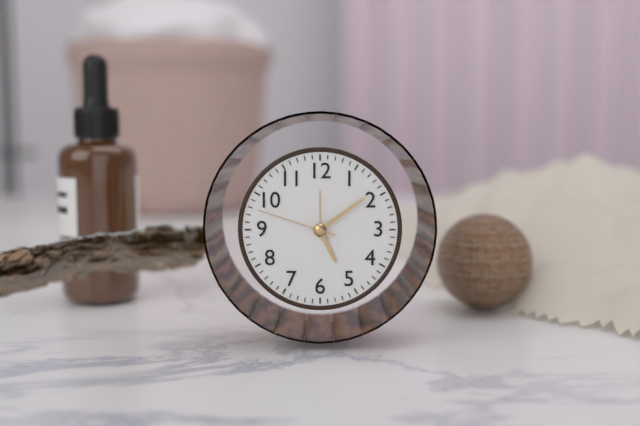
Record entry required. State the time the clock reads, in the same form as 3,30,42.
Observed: 5,09,48
